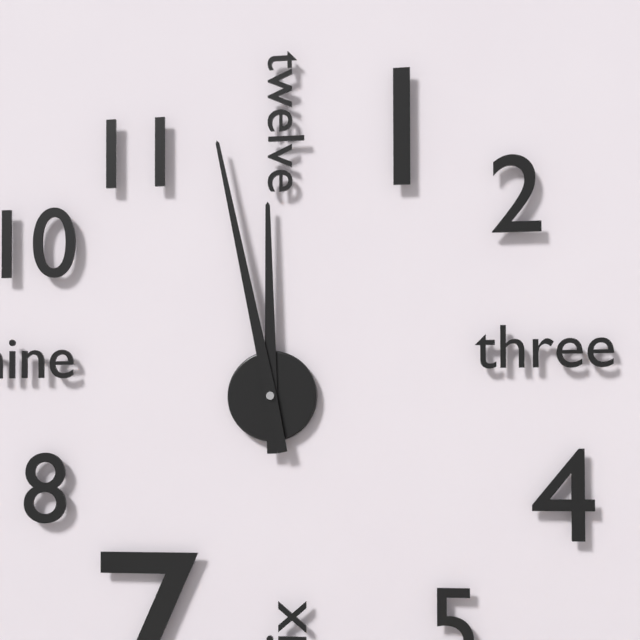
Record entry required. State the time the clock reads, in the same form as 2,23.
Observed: 11,58
